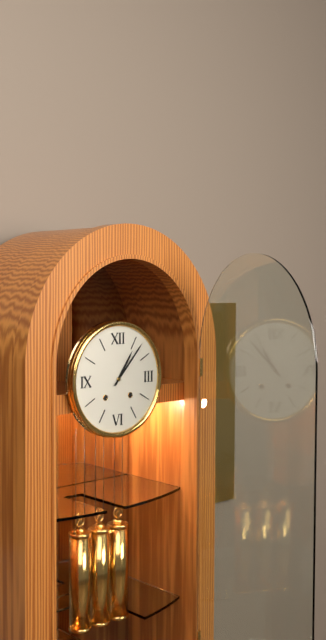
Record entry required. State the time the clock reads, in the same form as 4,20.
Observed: 1,07
